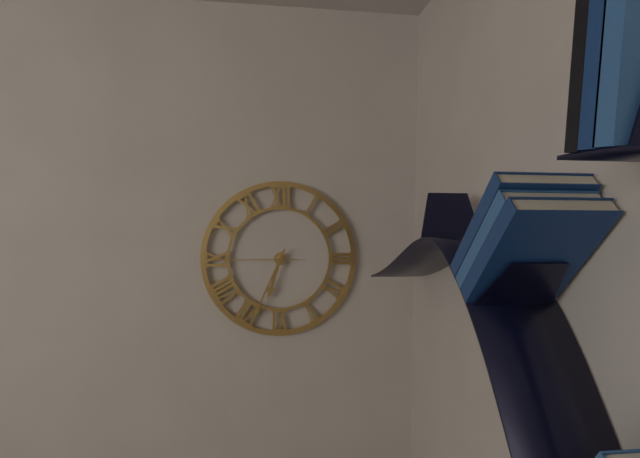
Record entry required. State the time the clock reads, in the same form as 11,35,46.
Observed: 6,34,45
